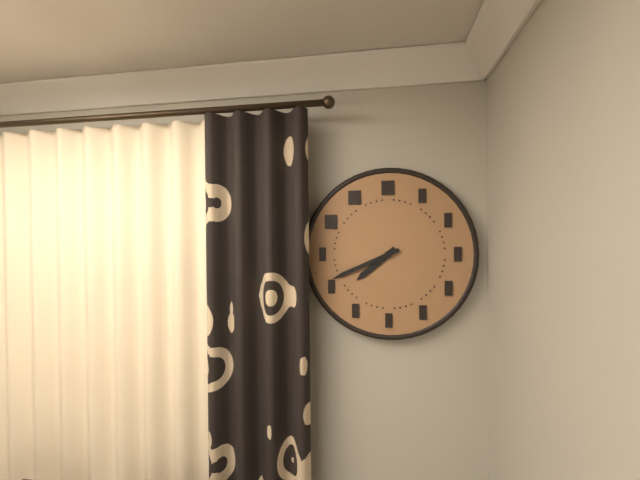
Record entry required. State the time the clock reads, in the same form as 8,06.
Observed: 7,41
